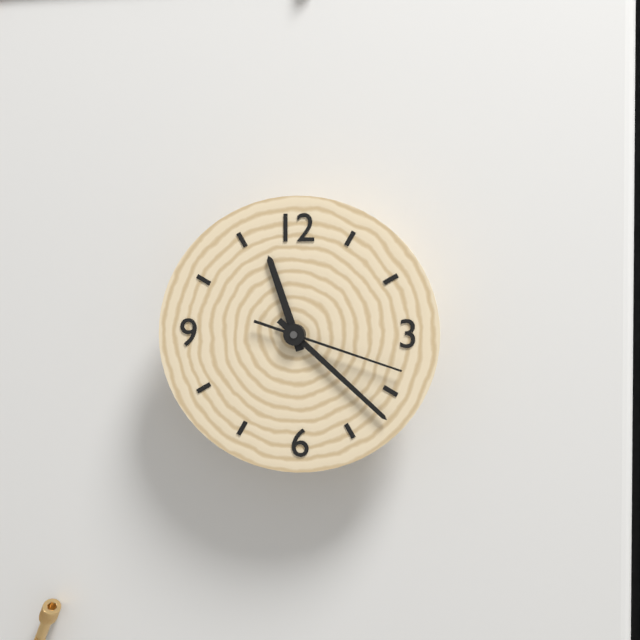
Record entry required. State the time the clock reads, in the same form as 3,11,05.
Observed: 11,22,18
